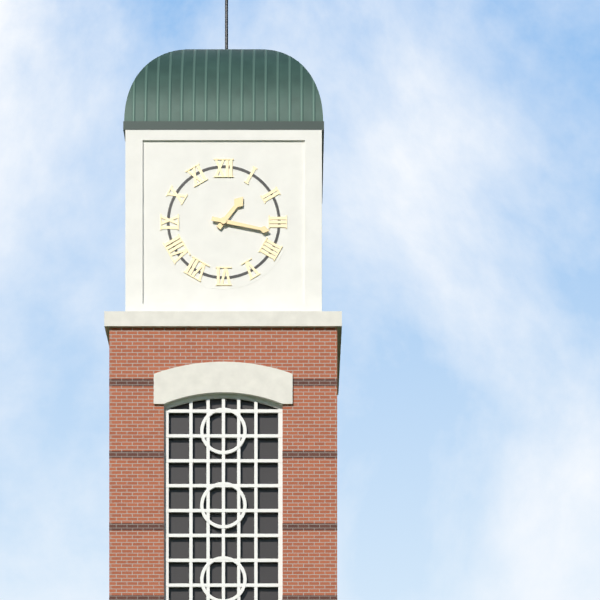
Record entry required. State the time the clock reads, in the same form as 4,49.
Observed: 1,17
